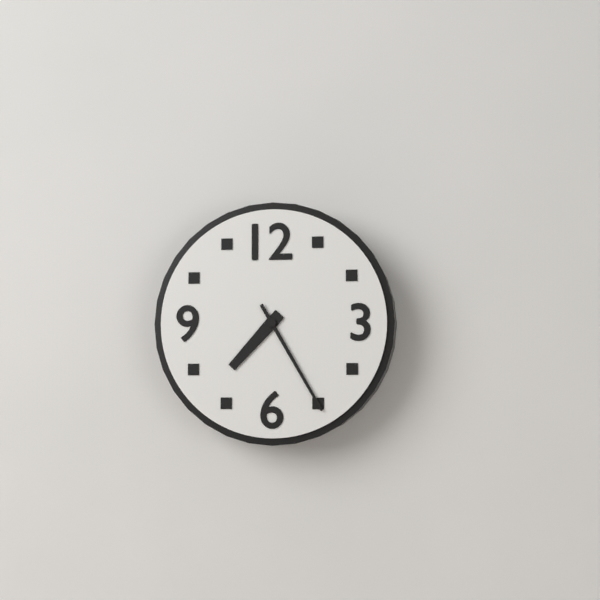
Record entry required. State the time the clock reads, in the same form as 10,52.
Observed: 7,25
